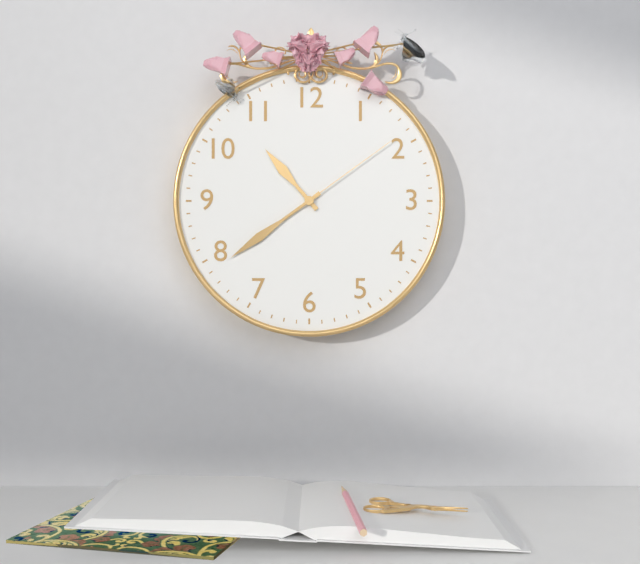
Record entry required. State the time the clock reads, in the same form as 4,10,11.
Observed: 10,39,09
